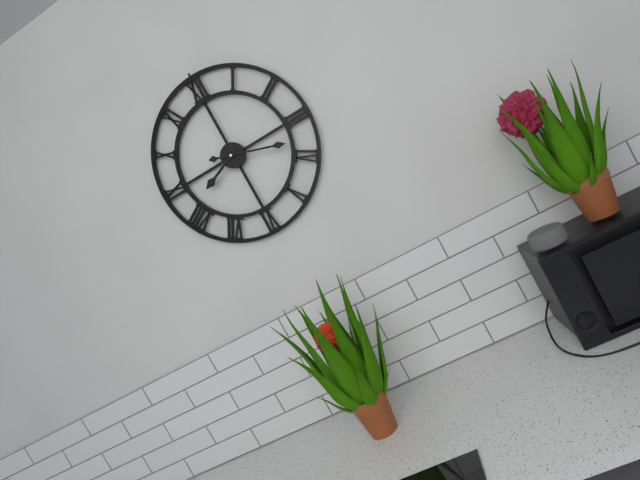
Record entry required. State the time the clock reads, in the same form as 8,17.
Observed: 8,18
